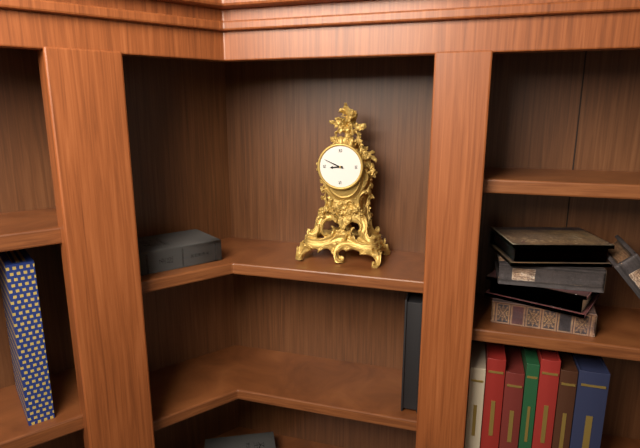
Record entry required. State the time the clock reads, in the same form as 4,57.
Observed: 8,49
